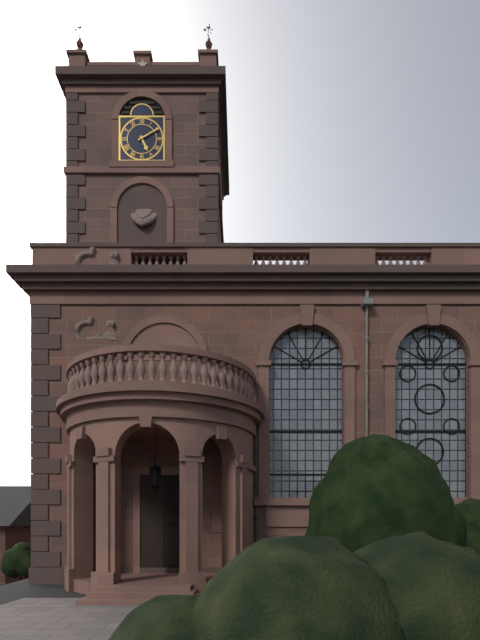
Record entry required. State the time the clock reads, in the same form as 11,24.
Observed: 5,10
